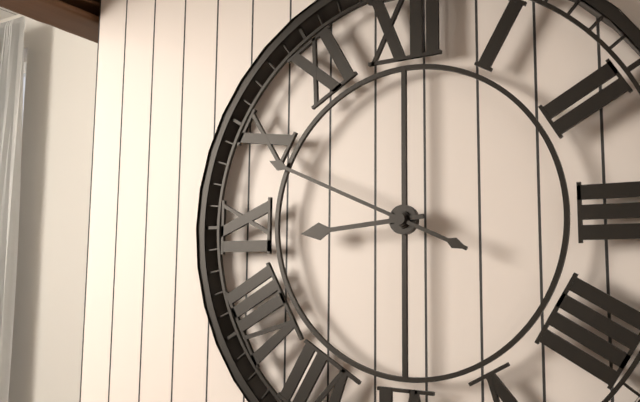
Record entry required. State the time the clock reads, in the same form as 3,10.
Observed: 8,49
